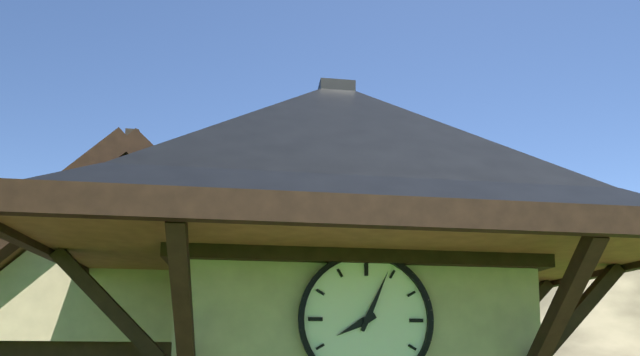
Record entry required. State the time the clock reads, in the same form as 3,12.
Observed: 8,04
